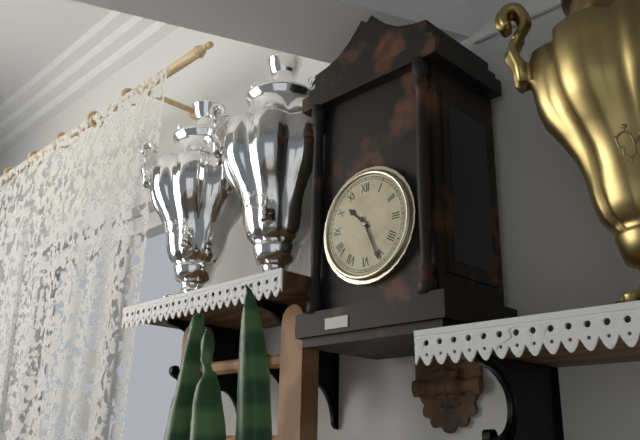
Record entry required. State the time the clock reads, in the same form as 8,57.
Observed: 10,26
